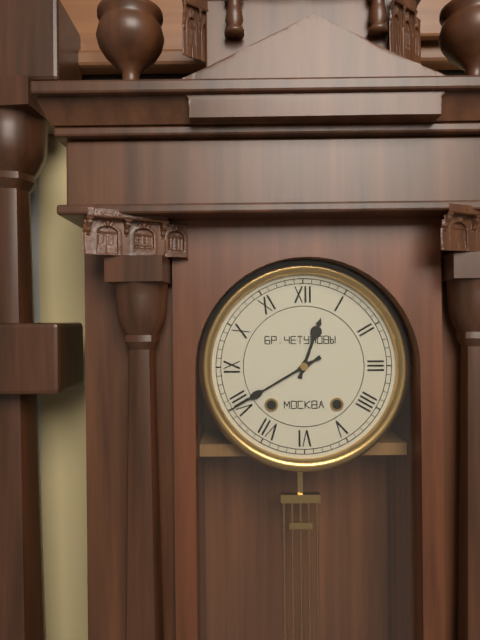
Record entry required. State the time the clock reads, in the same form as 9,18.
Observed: 12,40
